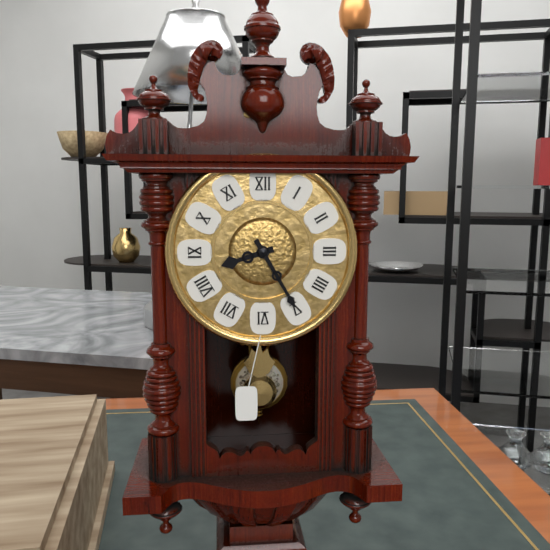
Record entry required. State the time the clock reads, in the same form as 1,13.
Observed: 8,25
